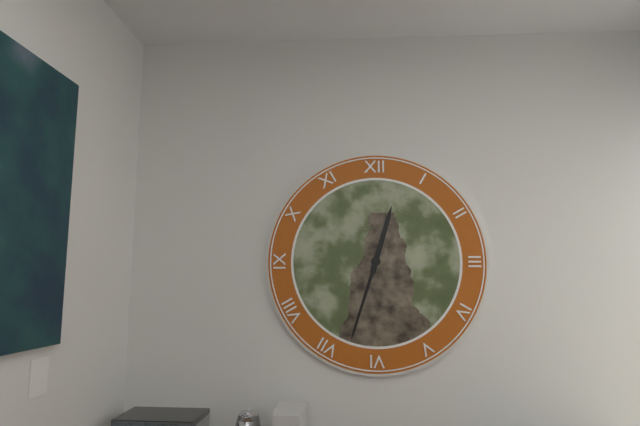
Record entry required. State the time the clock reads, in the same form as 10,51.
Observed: 12,33
